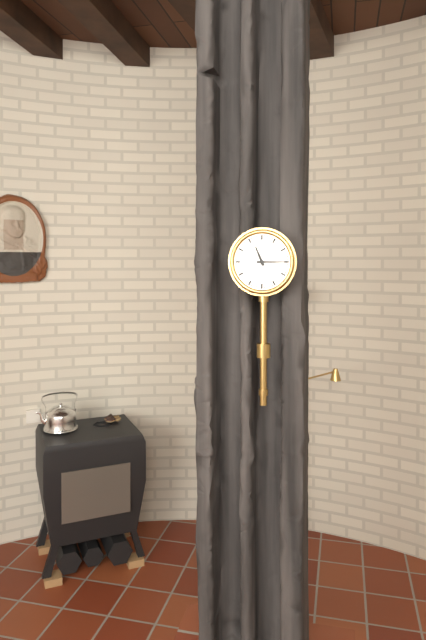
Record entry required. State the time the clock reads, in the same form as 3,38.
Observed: 11,15
